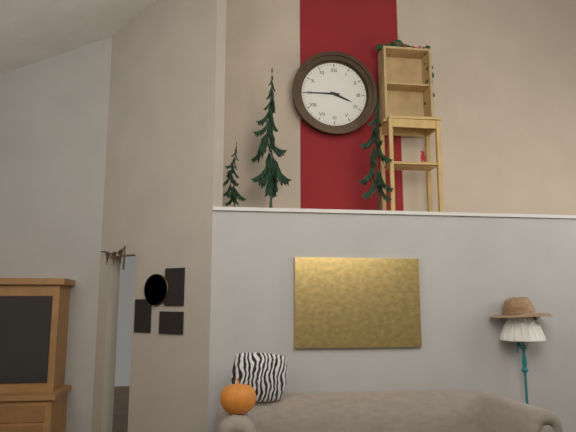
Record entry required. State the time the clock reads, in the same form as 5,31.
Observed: 3,45
